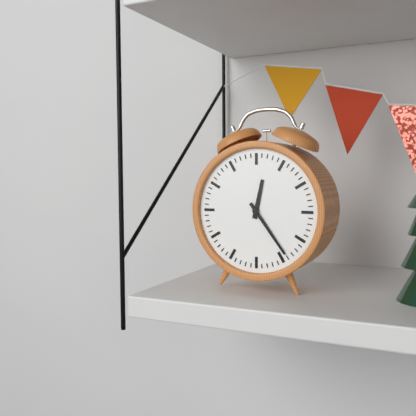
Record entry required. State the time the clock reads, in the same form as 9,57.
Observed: 12,24
